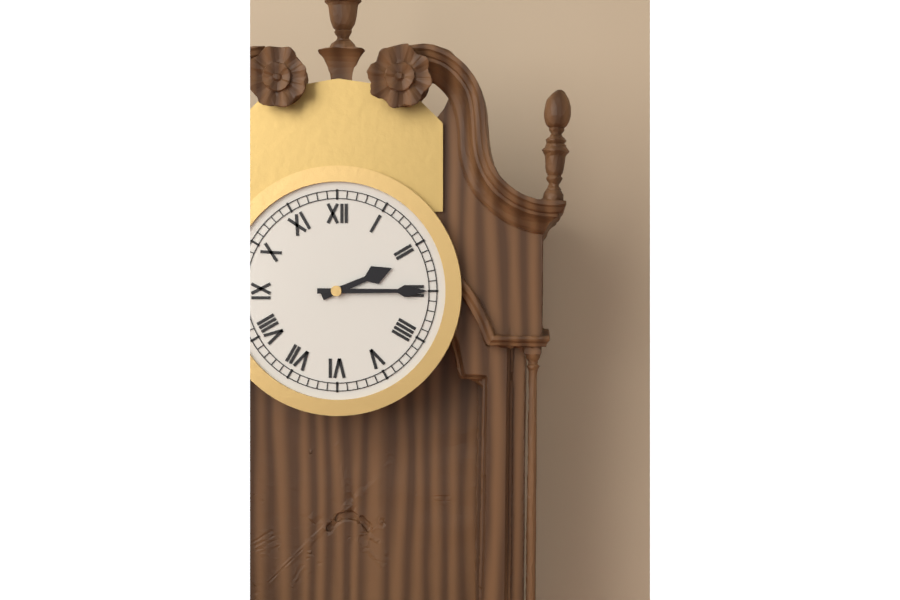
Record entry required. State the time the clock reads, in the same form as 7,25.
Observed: 2,15
